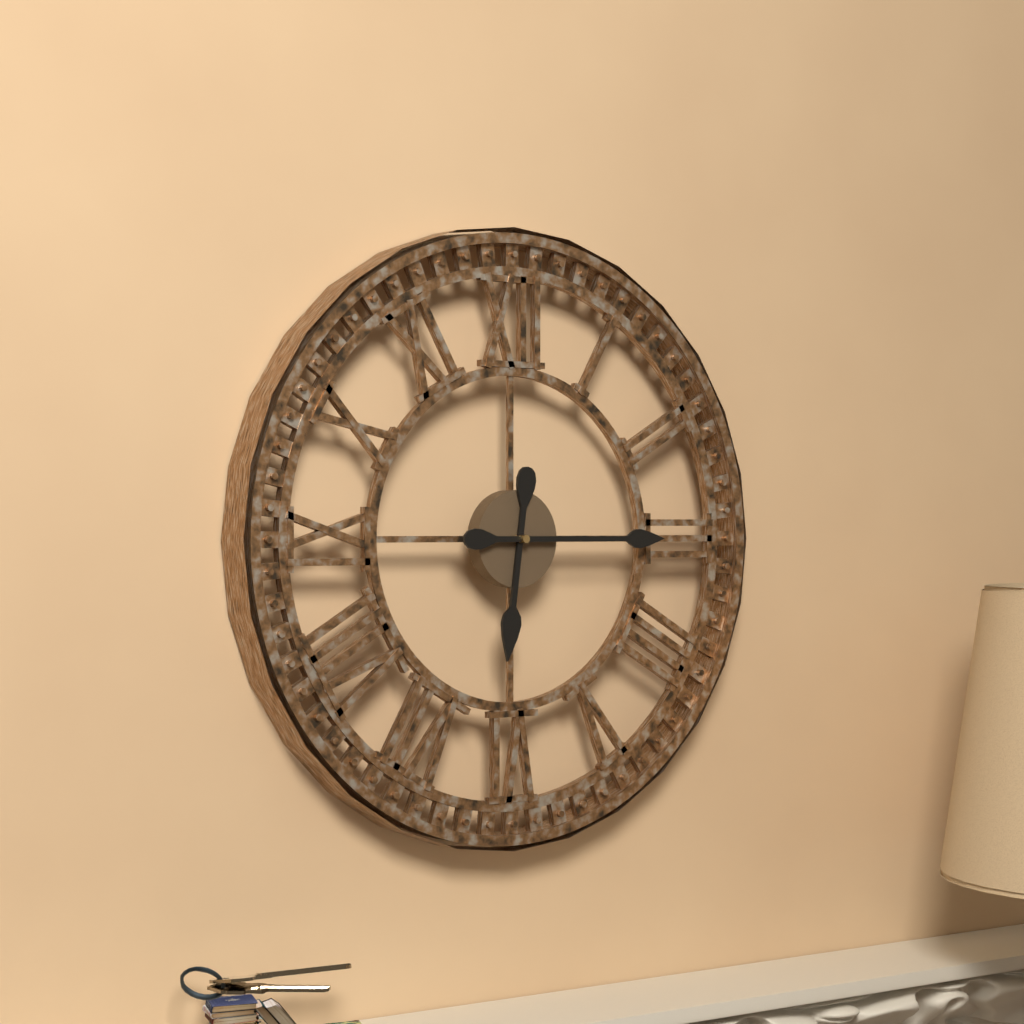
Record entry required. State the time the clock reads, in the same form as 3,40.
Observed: 6,15
